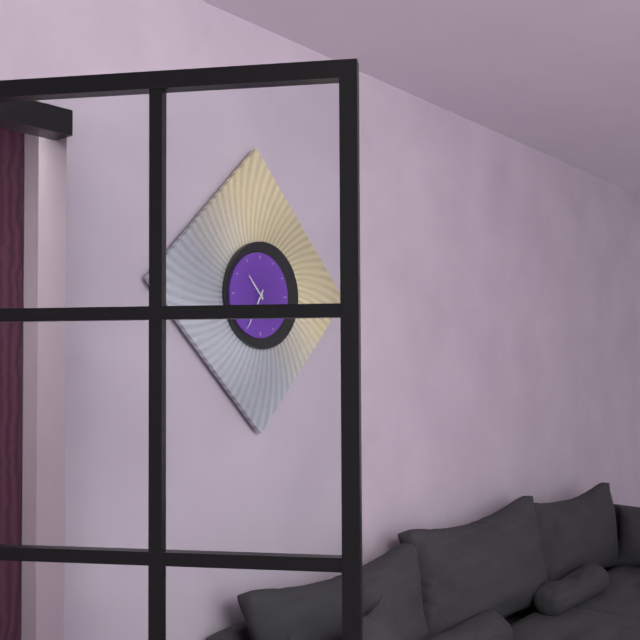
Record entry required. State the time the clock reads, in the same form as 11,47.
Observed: 10,35
